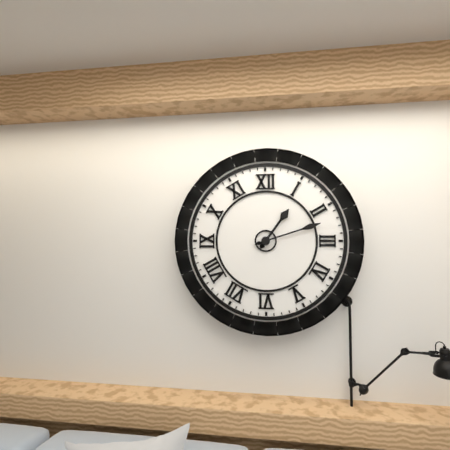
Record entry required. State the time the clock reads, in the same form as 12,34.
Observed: 1,12
